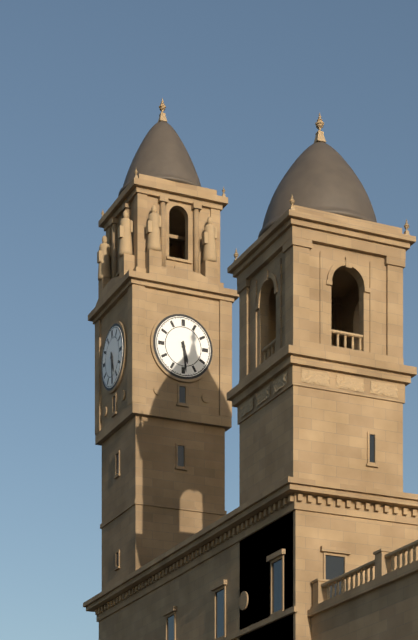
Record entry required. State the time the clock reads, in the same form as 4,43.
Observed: 5,29
